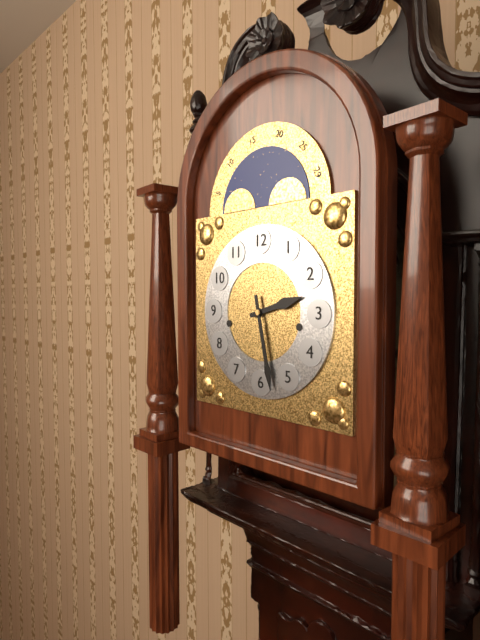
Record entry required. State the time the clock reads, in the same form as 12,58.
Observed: 2,28
